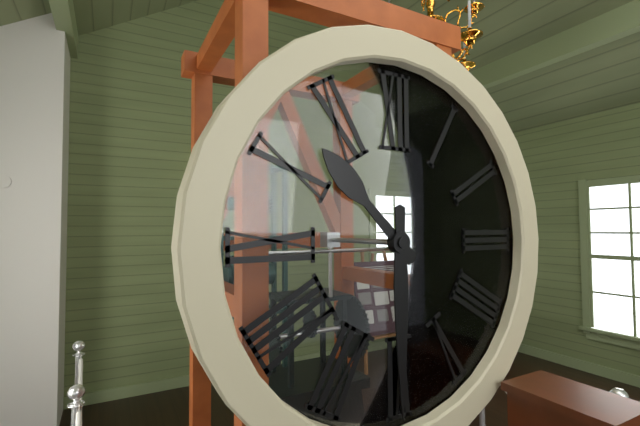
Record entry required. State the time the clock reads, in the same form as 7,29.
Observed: 10,30
